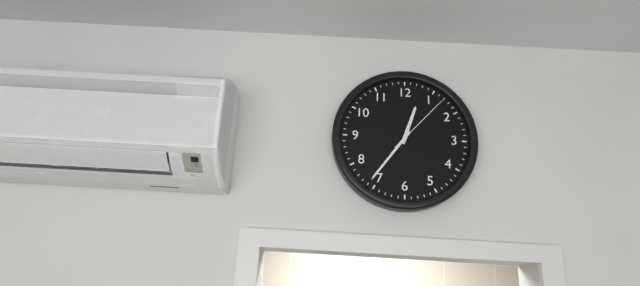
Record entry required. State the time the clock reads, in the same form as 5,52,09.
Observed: 12,36,07
